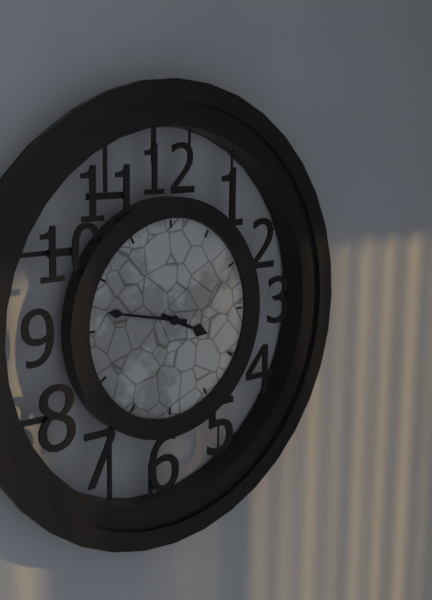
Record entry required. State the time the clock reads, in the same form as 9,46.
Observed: 3,47
